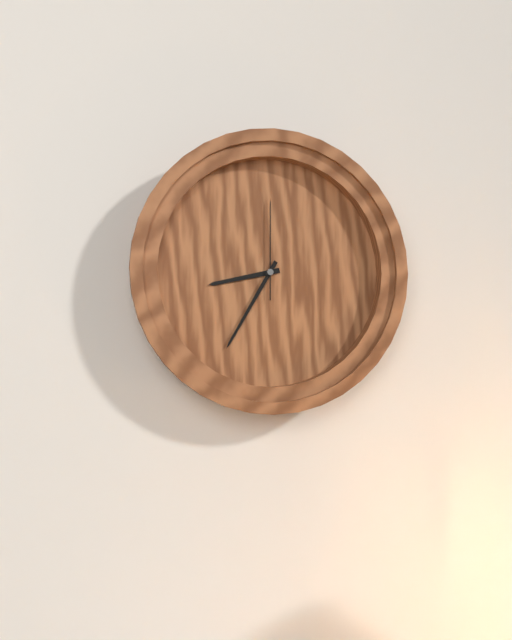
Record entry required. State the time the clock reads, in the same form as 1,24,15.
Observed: 8,35,00
